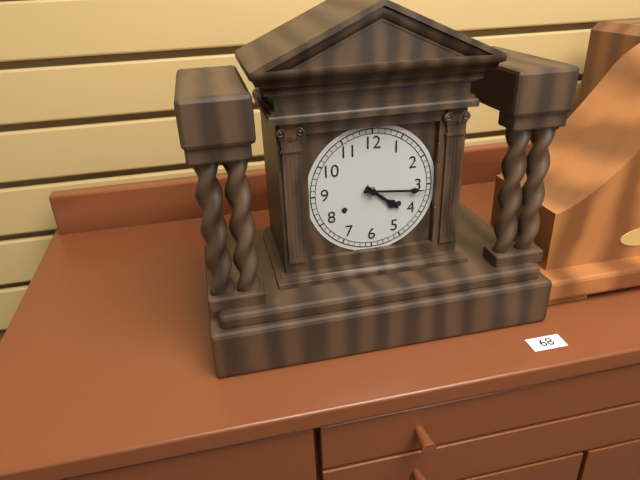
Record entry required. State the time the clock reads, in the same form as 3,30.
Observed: 4,16
